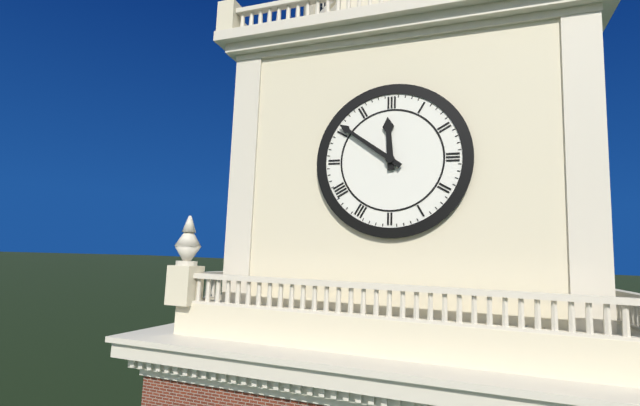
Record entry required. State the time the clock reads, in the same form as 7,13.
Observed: 11,51
